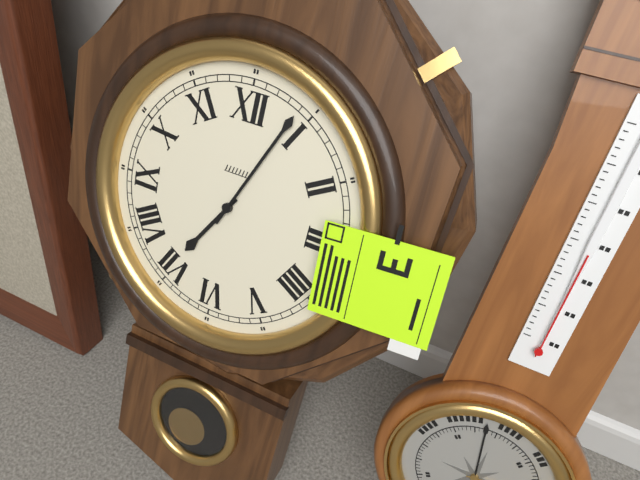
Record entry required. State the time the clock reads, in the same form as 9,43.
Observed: 7,04
